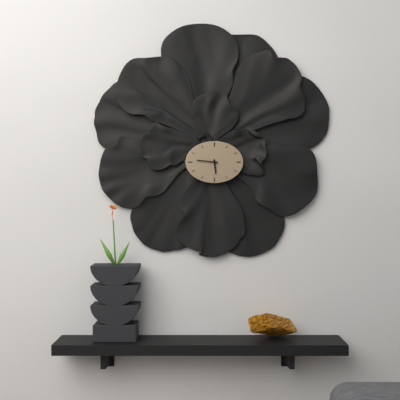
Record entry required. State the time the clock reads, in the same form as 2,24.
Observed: 5,46
